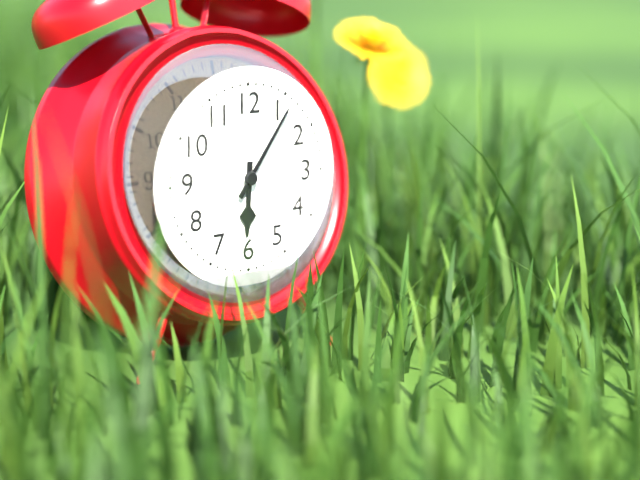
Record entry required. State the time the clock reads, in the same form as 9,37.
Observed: 6,06
